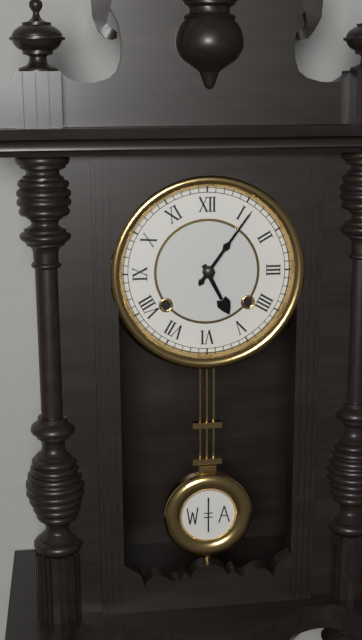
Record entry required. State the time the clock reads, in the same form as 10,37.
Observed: 5,06
